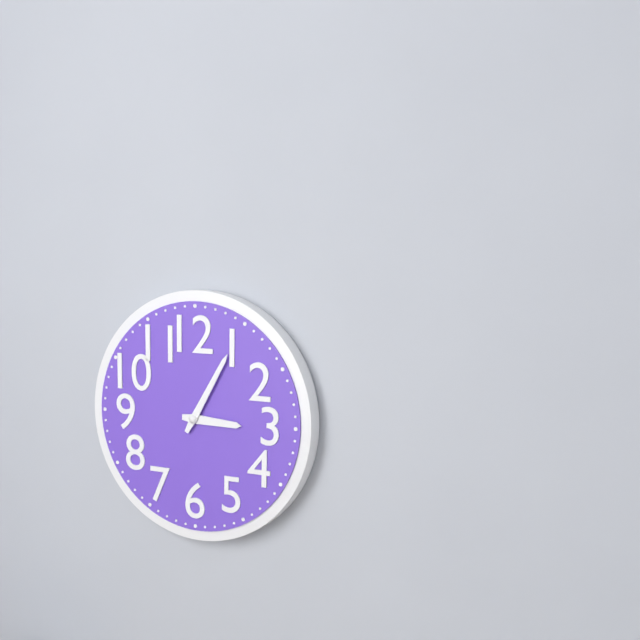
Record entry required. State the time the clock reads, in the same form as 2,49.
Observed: 3,05
